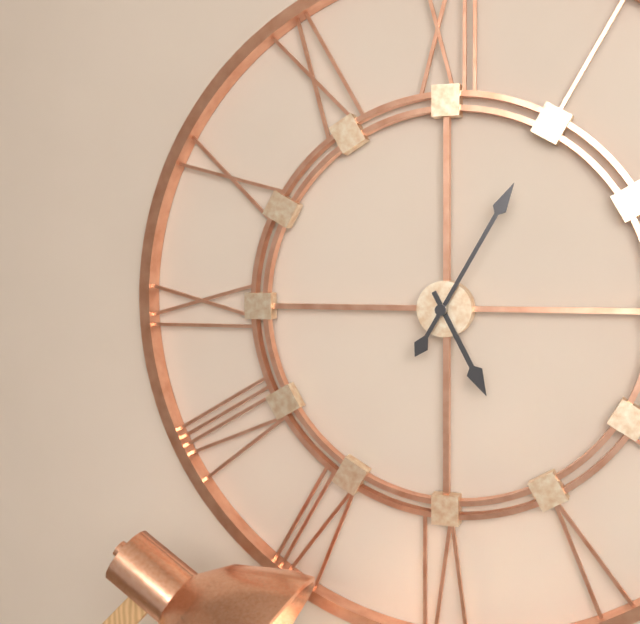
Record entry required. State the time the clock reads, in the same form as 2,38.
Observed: 5,05
